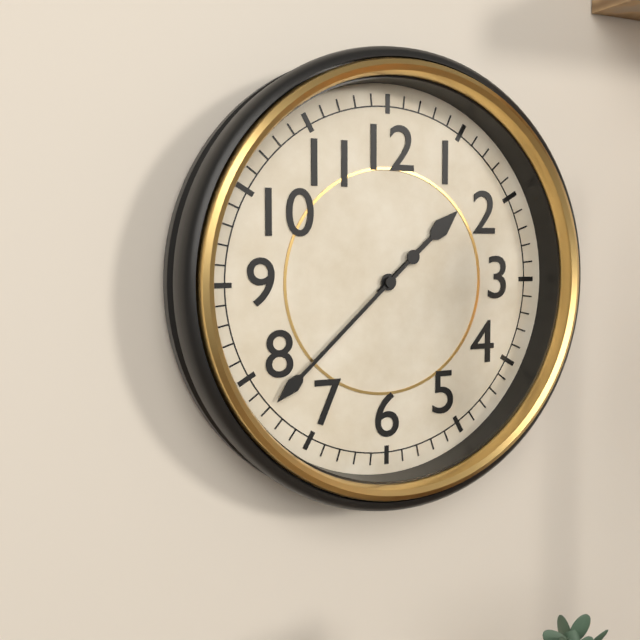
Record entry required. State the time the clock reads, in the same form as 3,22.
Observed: 1,38
